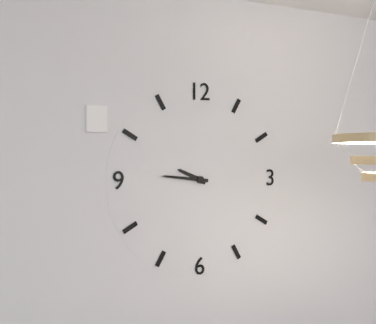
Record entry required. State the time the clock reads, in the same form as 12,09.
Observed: 9,46
